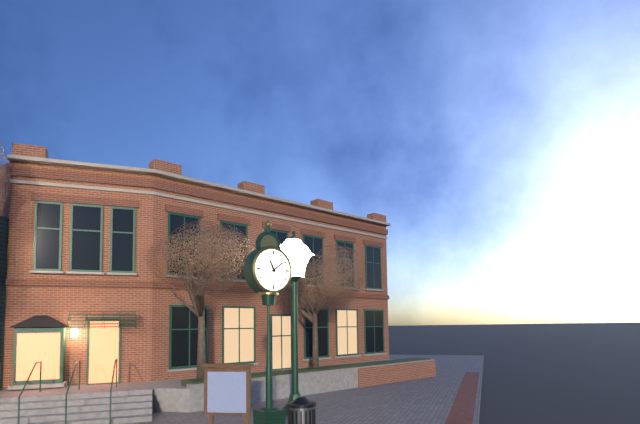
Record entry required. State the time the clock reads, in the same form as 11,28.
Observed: 11,09
